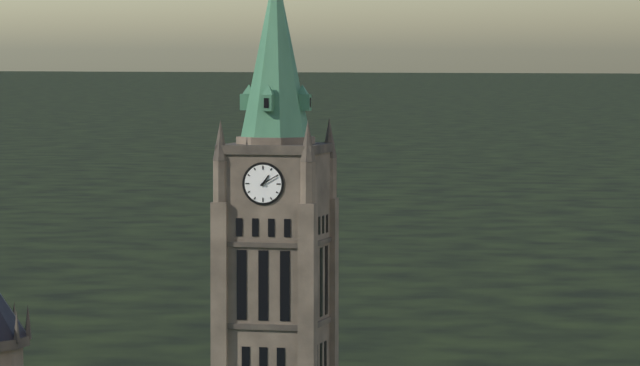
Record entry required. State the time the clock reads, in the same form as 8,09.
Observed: 1,10
